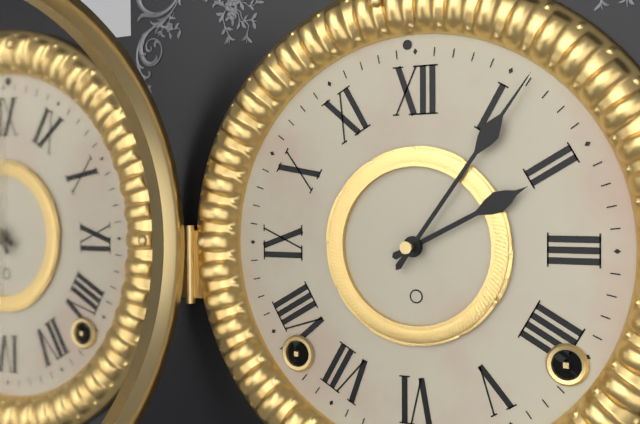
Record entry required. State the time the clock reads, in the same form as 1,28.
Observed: 2,06
